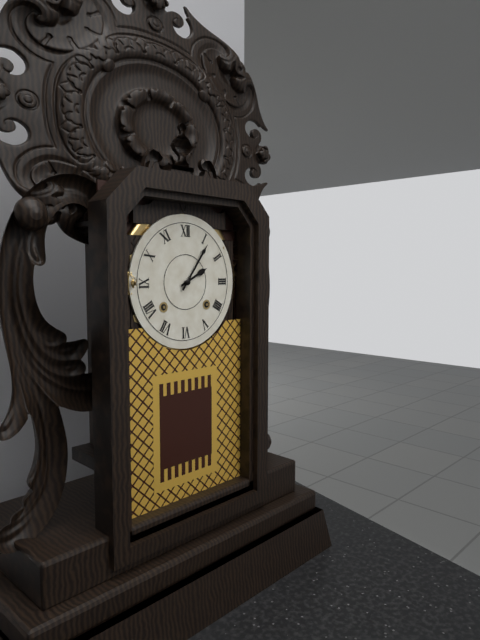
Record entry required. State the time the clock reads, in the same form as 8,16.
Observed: 2,06
